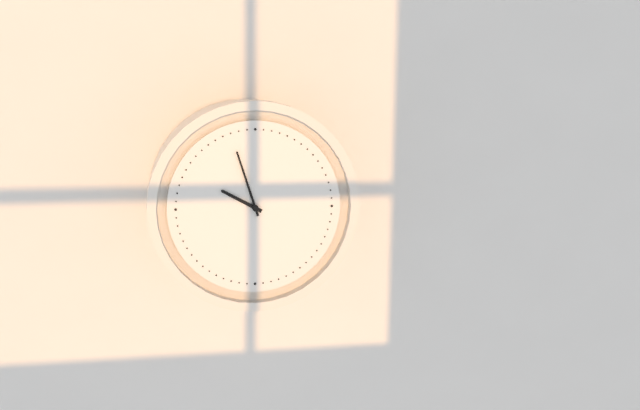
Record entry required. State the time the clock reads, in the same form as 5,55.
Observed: 9,57
